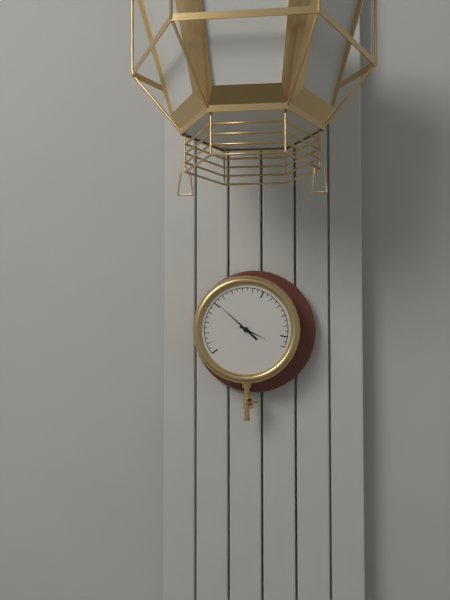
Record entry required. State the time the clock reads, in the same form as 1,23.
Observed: 3,52
